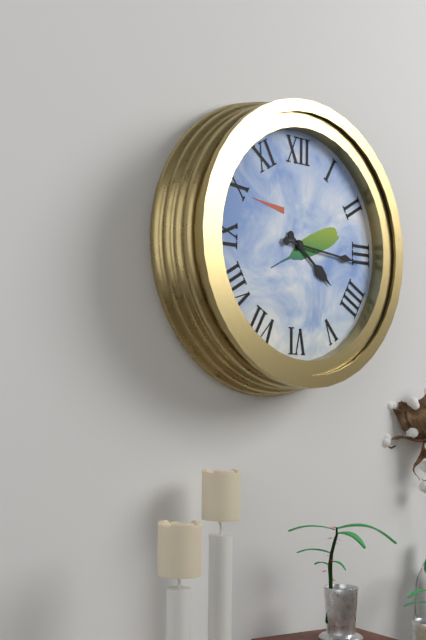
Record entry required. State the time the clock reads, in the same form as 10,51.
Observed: 4,16
